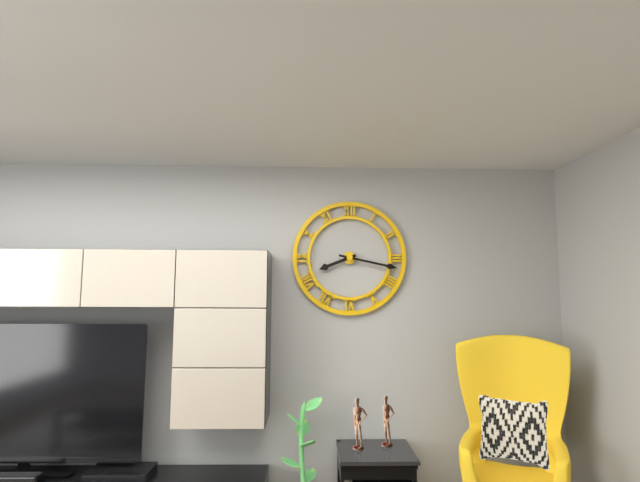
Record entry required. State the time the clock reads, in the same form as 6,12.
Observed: 8,17
